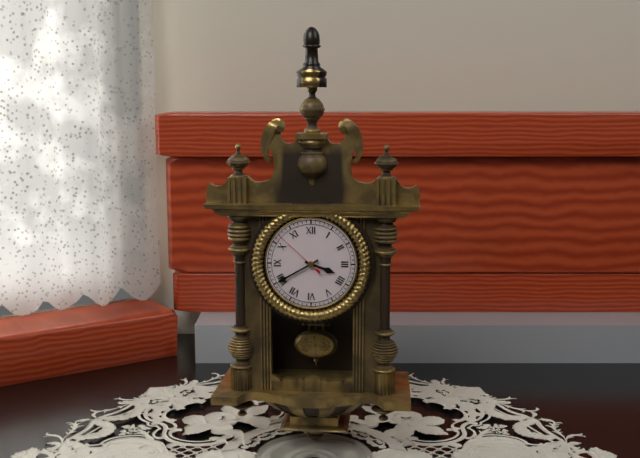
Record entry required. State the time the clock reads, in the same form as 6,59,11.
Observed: 3,40,52
